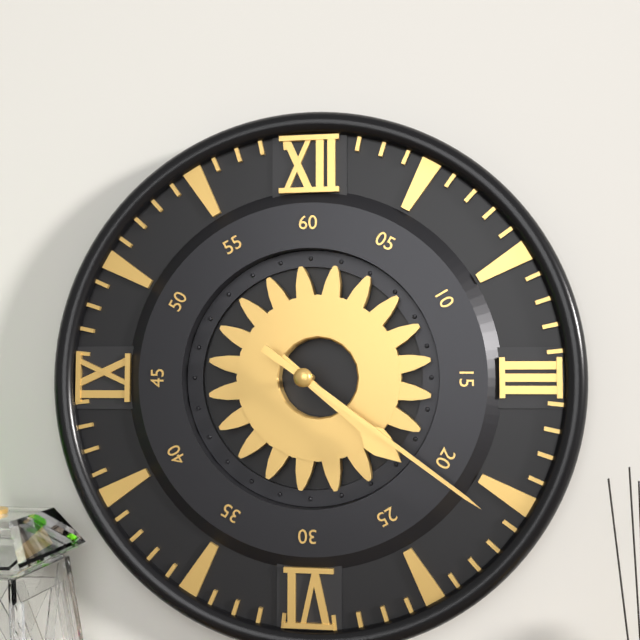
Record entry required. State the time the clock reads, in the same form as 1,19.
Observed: 4,21
